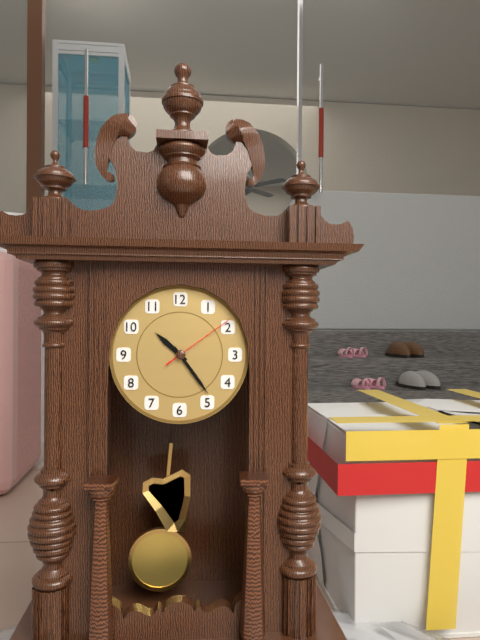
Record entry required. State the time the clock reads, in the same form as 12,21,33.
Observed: 10,24,09
